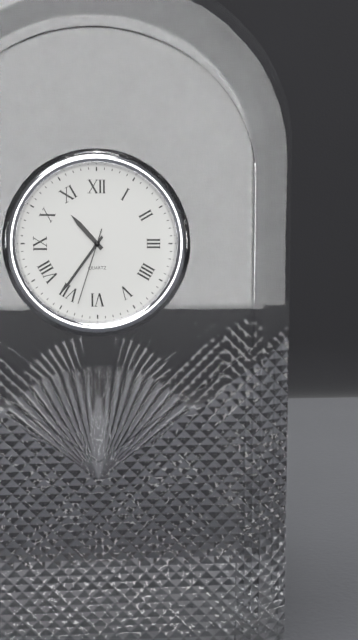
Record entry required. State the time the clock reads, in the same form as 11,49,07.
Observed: 10,36,33
